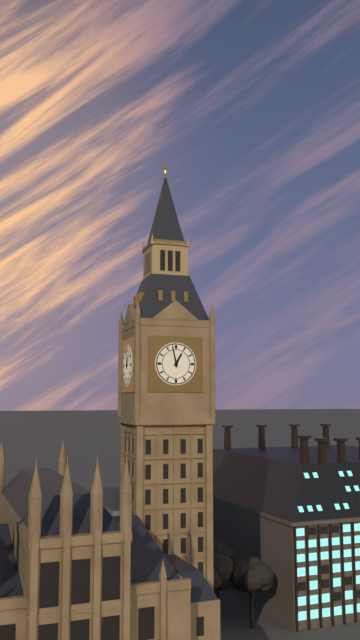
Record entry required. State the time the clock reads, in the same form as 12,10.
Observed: 12,58
